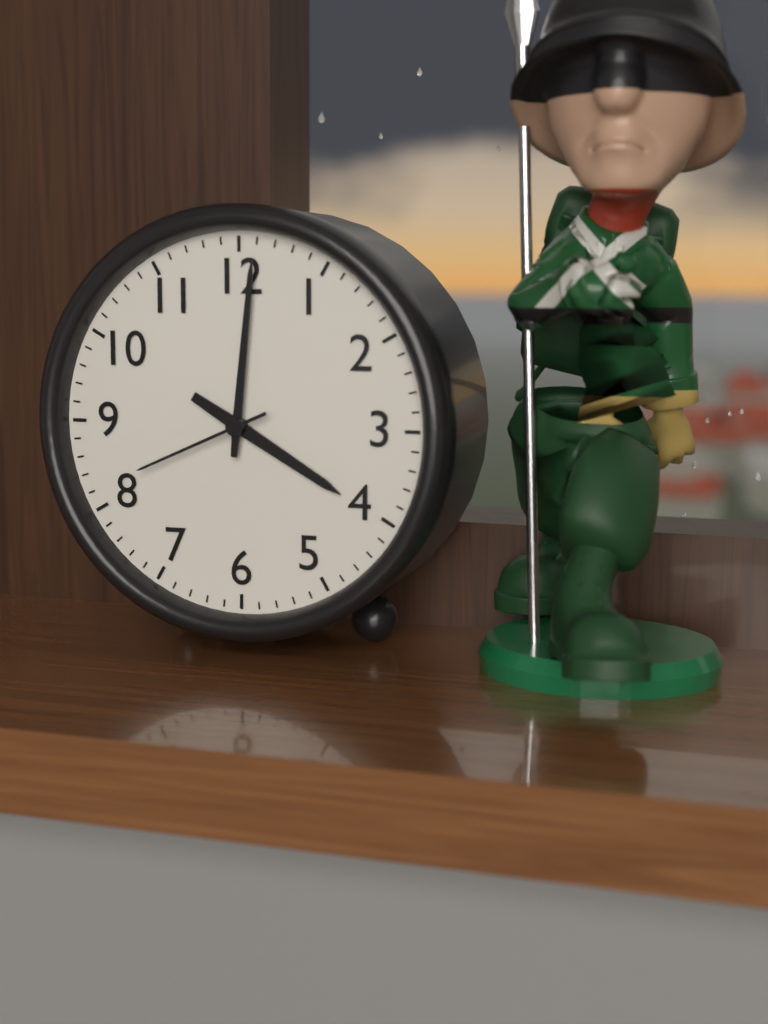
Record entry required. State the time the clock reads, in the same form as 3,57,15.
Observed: 4,01,41
